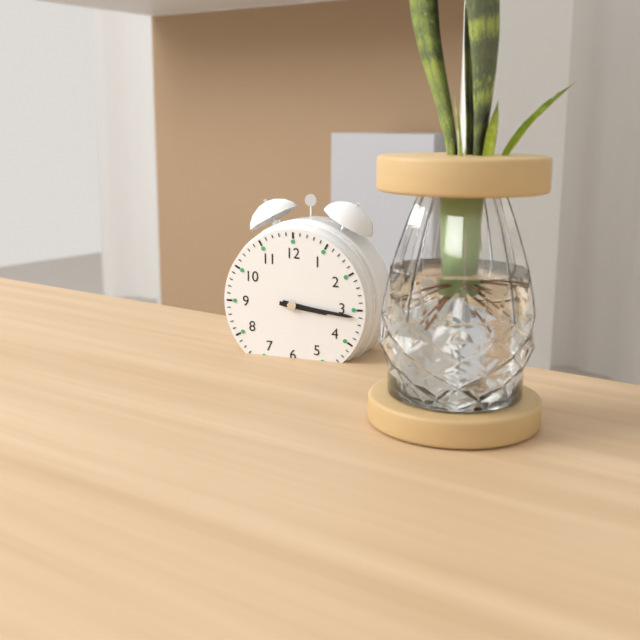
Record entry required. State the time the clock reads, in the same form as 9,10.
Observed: 3,16
